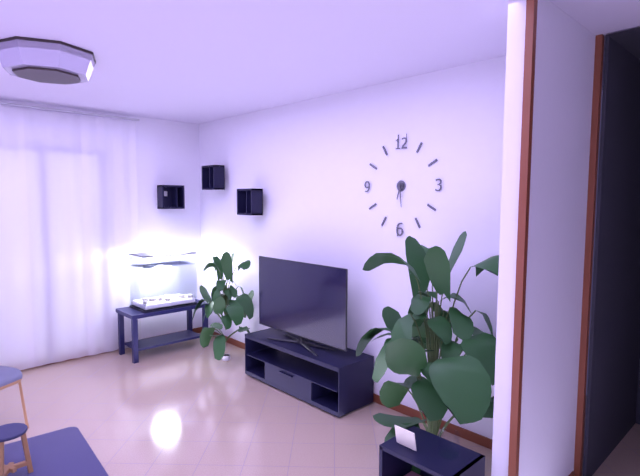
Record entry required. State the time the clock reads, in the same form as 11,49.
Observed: 6,29
